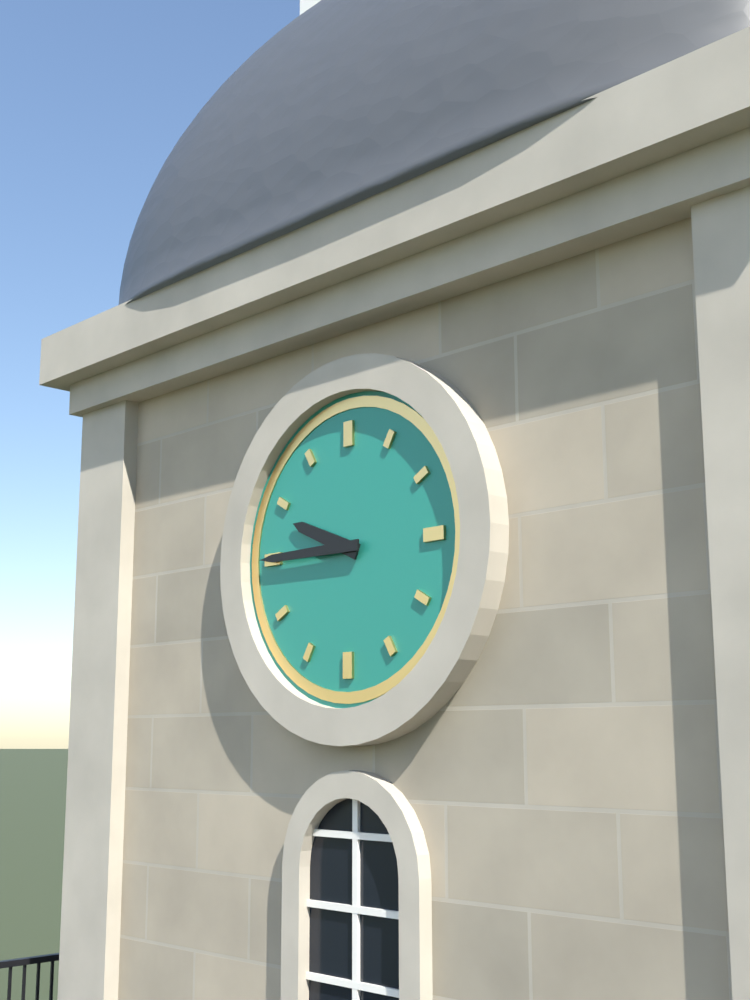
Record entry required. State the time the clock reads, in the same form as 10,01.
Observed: 9,45
